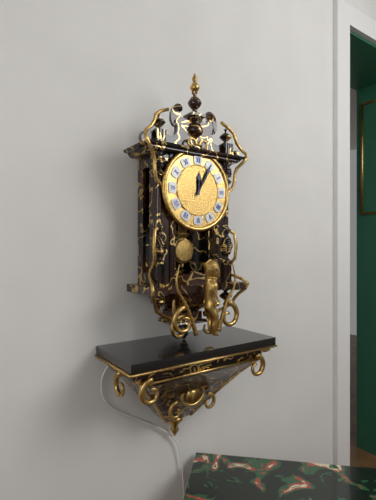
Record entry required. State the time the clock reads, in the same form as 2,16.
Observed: 12,05
